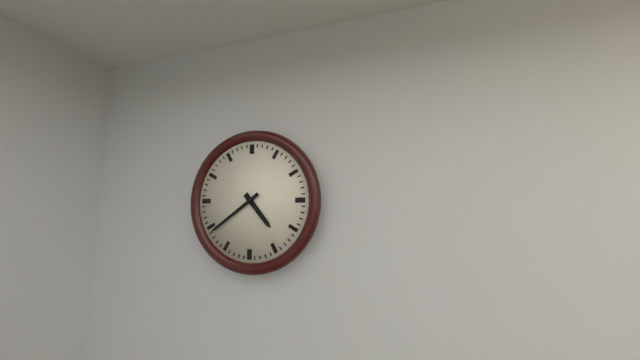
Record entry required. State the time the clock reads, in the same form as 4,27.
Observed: 4,39
